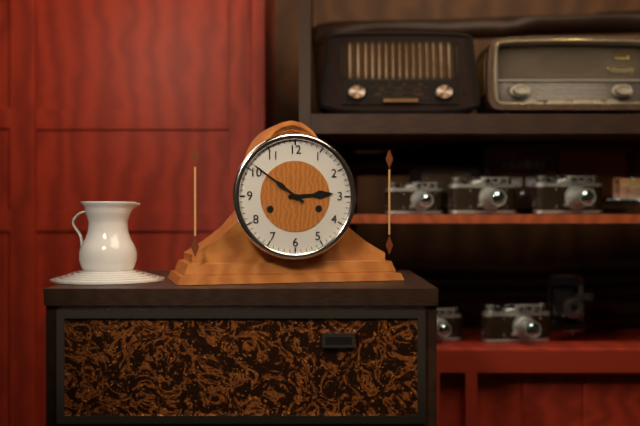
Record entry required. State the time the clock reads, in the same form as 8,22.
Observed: 2,51
